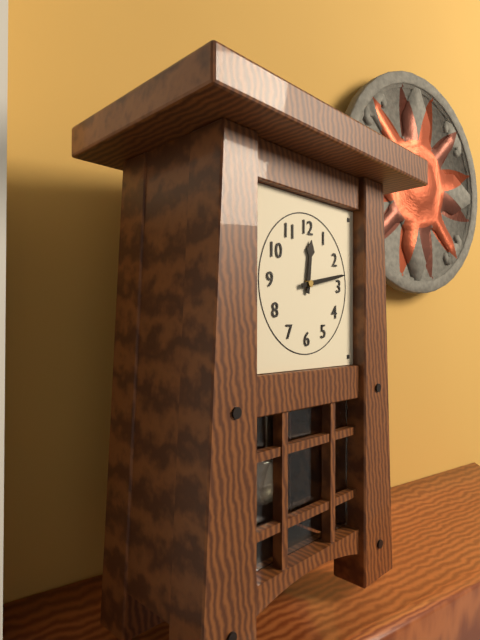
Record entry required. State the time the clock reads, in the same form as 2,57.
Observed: 12,13
